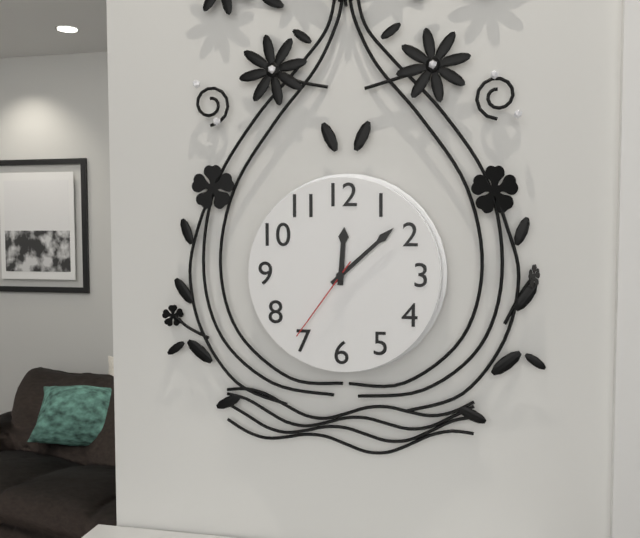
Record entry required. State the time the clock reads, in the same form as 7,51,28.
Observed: 12,08,36
